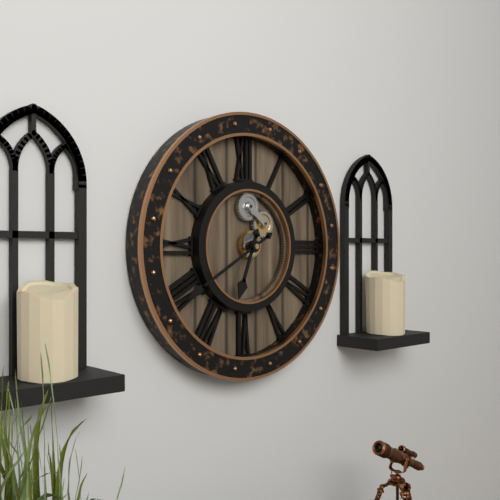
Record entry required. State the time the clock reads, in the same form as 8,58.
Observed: 6,40
